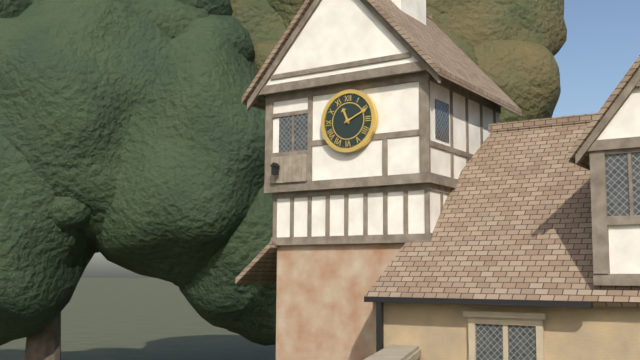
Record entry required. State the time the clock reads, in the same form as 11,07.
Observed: 11,11
